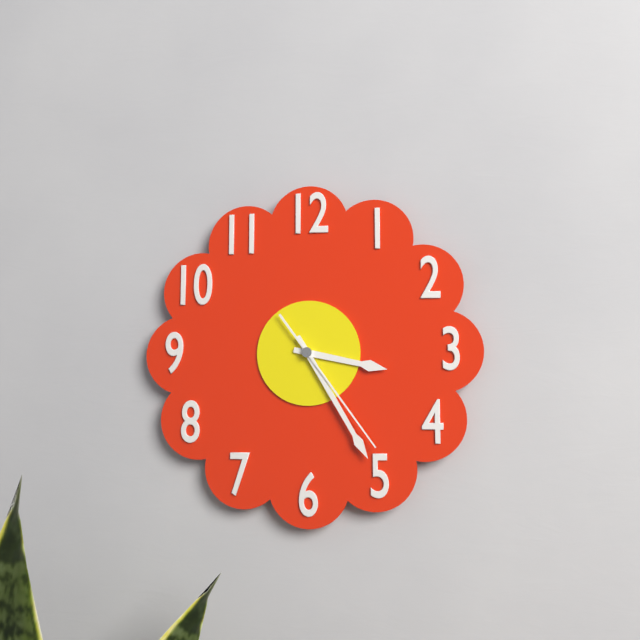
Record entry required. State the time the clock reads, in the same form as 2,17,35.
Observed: 3,25,24
